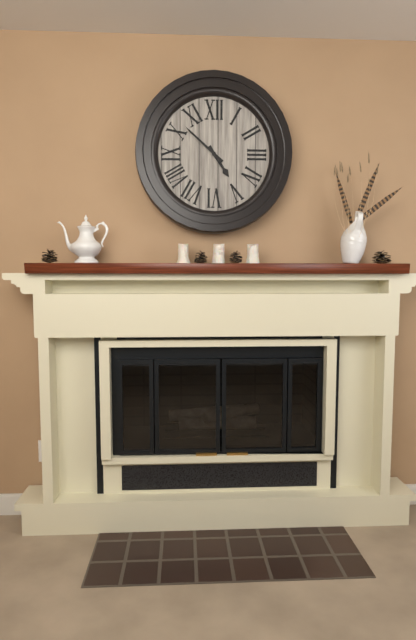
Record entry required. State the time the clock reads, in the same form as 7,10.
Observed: 4,52
